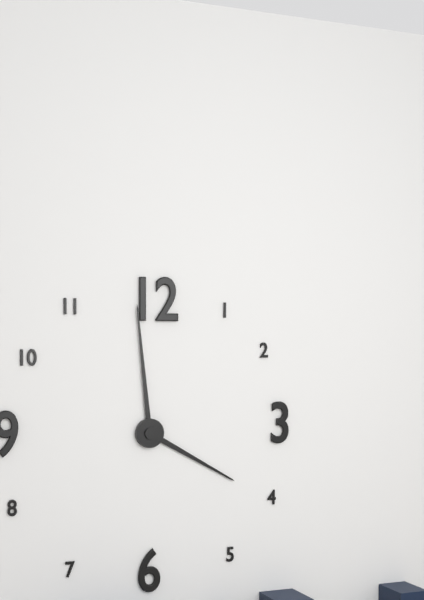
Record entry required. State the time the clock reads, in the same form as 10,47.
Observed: 3,59
